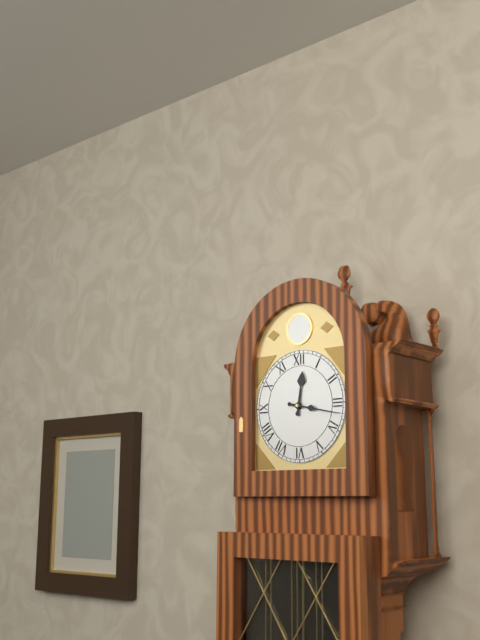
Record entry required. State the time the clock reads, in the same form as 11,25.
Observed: 12,17
